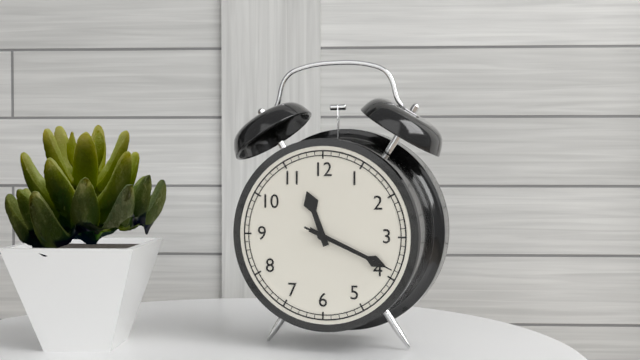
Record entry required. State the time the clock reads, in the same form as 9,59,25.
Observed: 11,19,19
